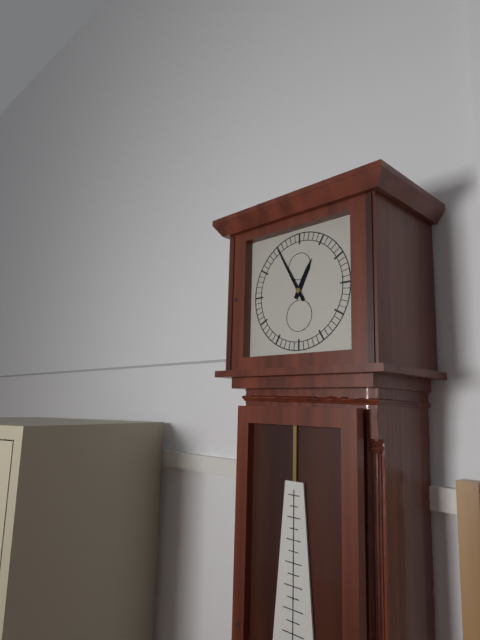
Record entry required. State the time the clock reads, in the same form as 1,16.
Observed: 12,55
